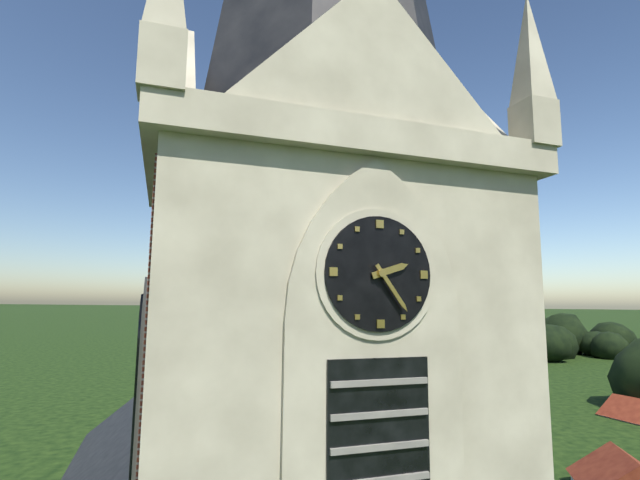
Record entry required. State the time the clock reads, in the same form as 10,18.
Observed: 2,24
